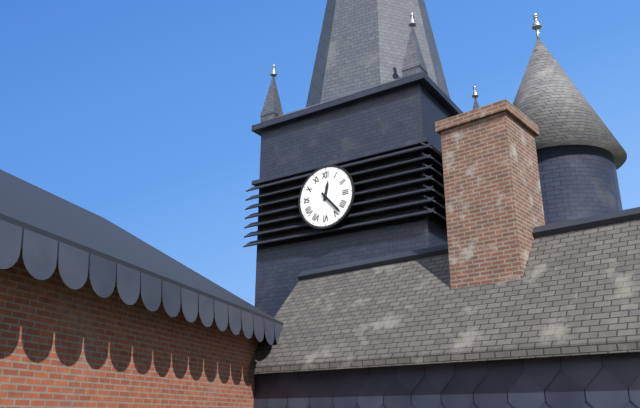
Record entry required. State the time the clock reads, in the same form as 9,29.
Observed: 12,23
